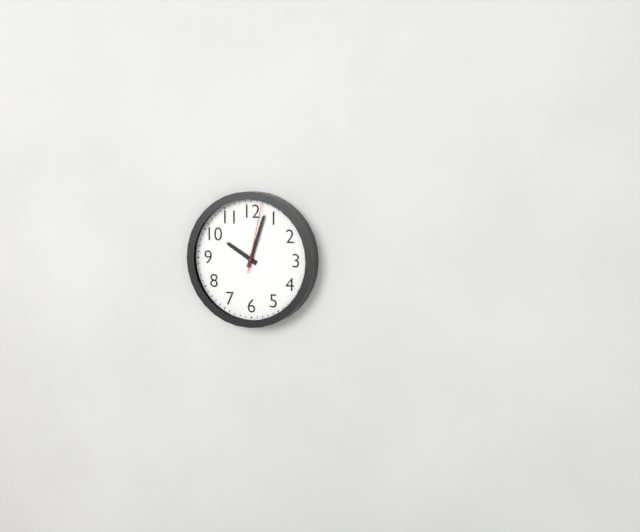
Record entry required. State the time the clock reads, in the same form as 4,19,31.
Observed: 10,03,02
